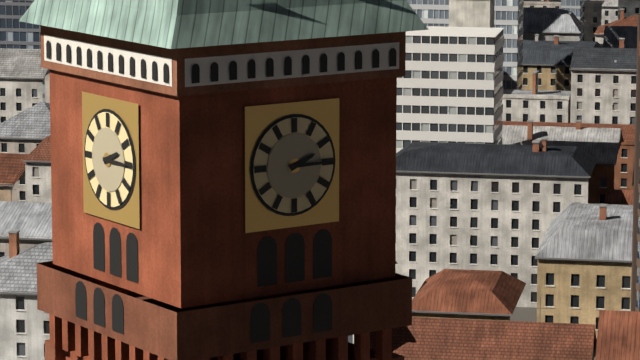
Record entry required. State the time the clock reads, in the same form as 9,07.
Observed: 2,15
